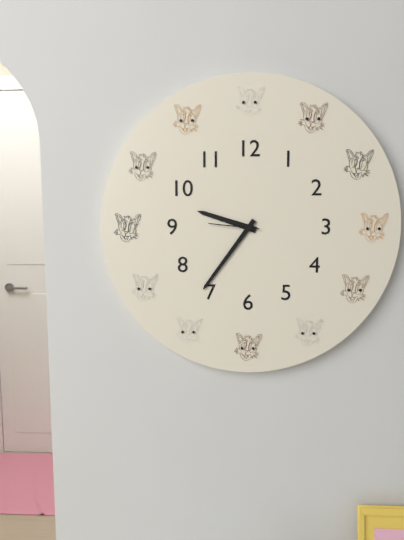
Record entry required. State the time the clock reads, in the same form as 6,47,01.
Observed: 9,36,46
